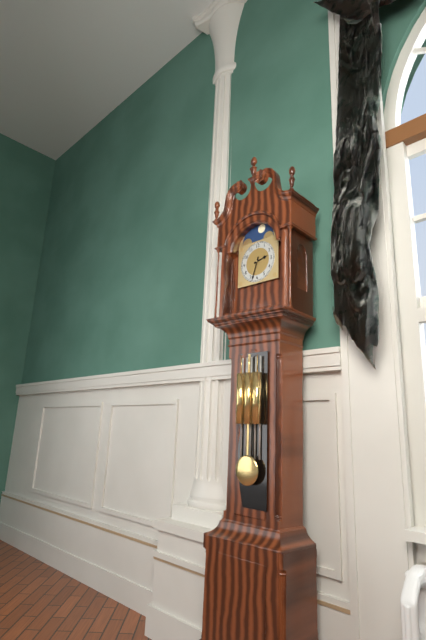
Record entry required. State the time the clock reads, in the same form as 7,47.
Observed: 2,33
